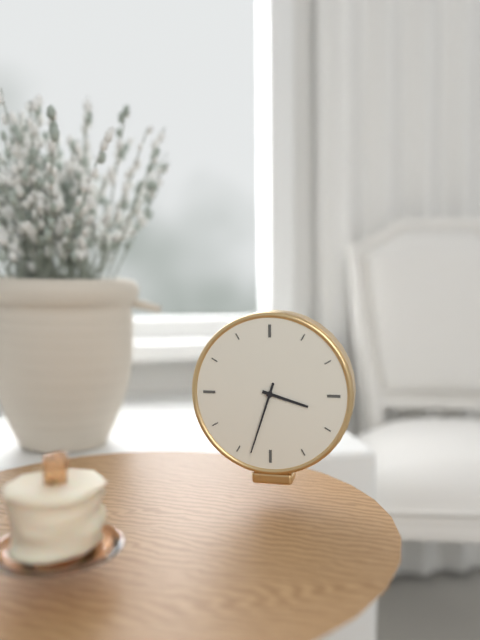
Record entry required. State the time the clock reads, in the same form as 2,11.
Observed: 3,33
